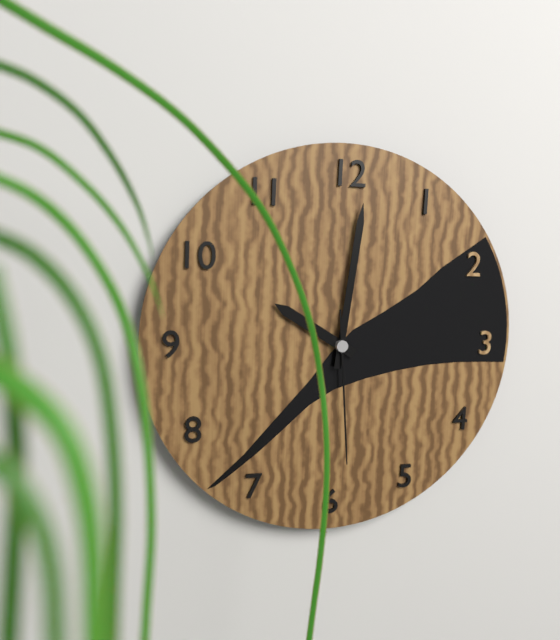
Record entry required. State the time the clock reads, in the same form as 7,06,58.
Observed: 10,01,29
